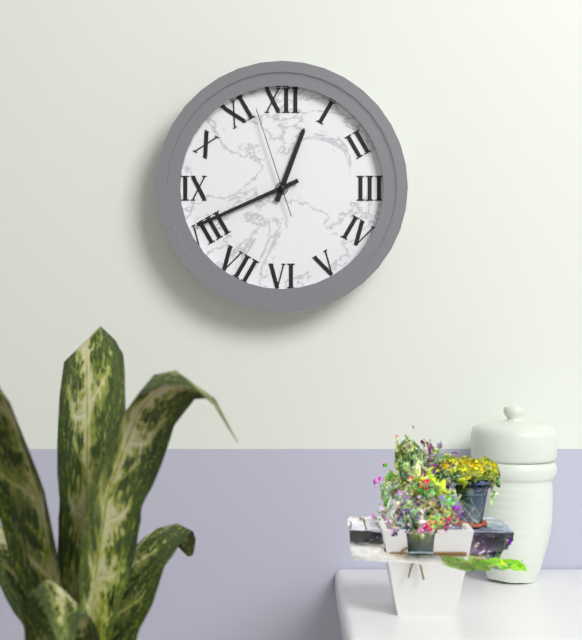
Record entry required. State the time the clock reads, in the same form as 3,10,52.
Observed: 12,41,57
